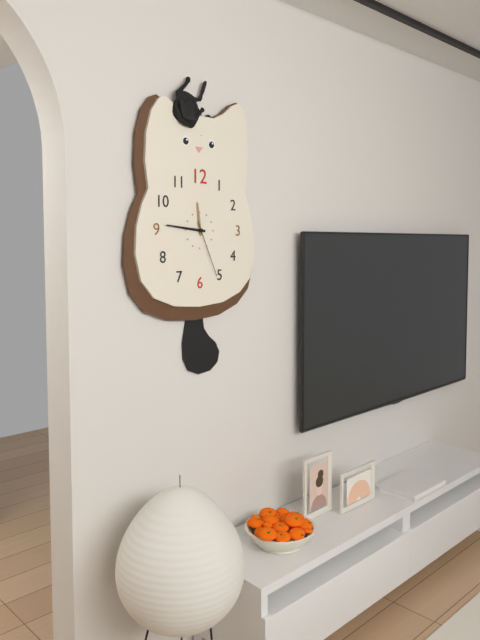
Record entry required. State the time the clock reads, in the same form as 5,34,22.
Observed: 11,46,26
